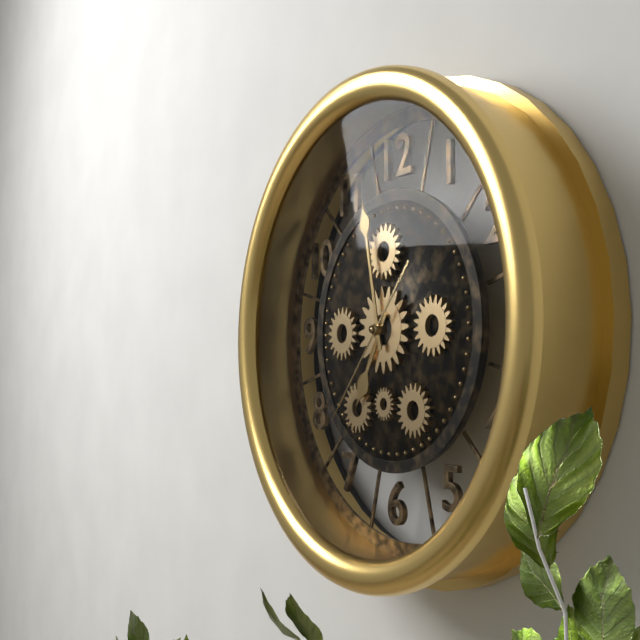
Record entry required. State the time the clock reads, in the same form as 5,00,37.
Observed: 6,58,37
